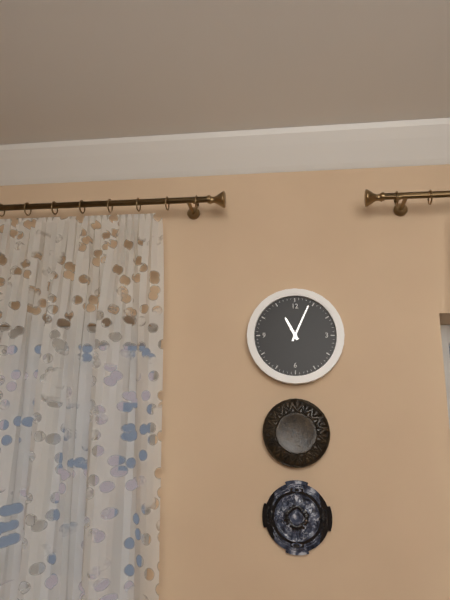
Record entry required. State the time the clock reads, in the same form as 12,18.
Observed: 11,04
